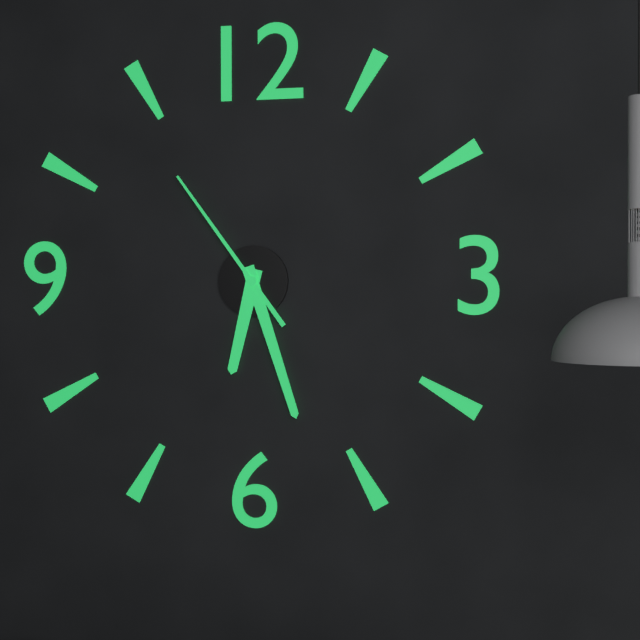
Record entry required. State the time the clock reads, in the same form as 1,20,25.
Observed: 6,27,54
